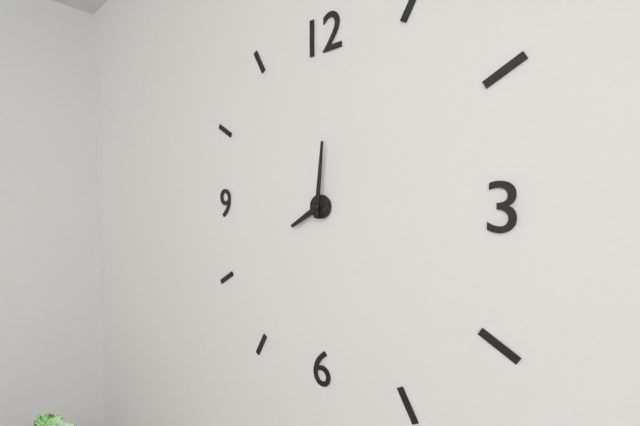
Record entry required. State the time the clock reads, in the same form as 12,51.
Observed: 8,01
